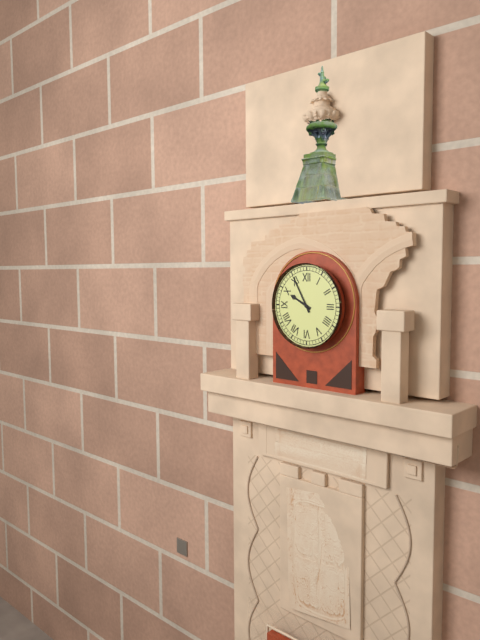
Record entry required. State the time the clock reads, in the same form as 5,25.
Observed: 9,55
